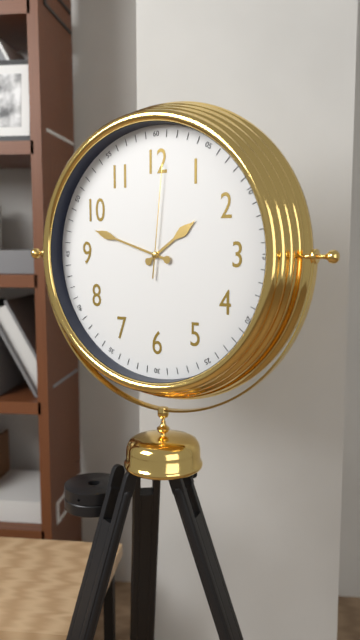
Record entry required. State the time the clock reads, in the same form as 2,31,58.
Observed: 1,48,01
